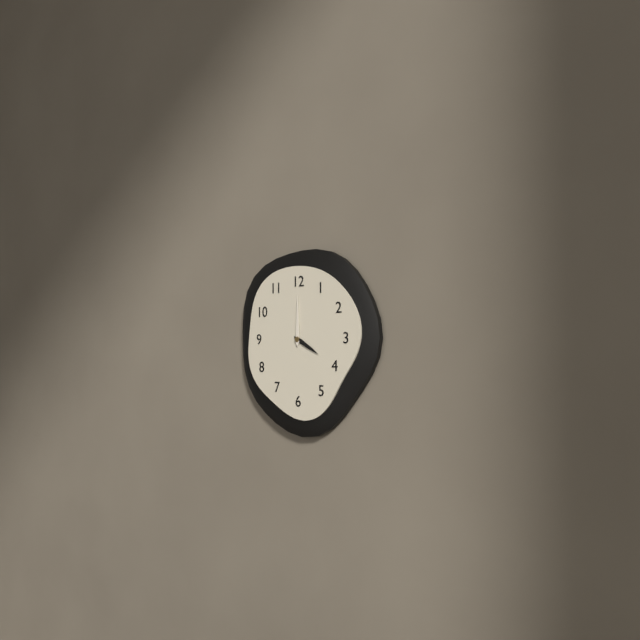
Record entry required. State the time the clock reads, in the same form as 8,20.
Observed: 4,00
